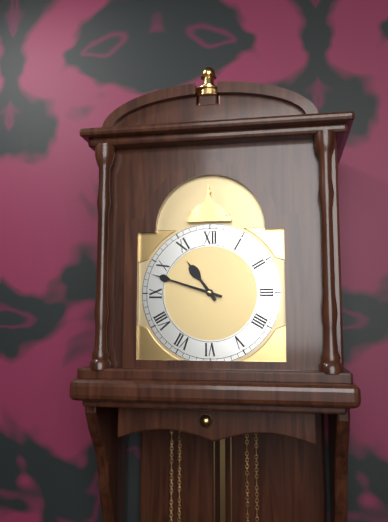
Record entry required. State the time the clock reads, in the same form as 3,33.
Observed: 10,48
